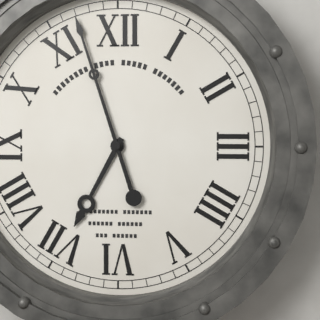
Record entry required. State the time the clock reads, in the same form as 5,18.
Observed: 6,57
